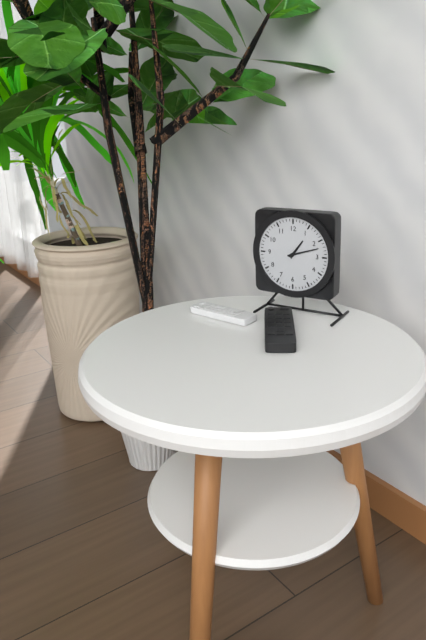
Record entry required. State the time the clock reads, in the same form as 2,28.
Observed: 1,12
